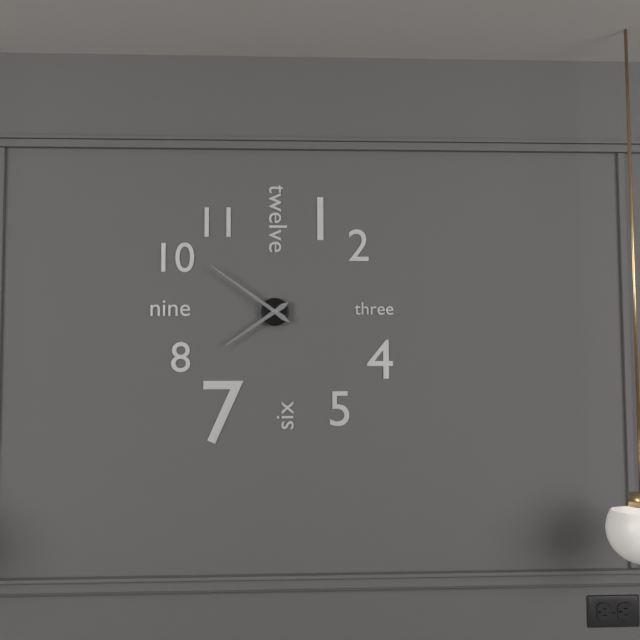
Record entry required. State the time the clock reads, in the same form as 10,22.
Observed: 7,51
